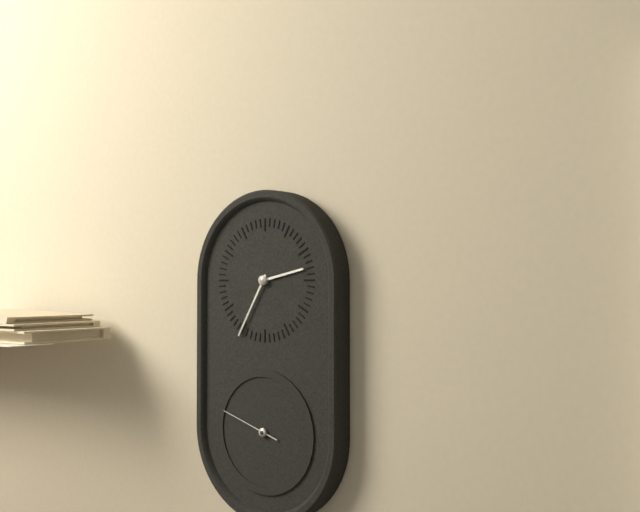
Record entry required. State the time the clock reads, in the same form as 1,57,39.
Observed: 2,35,48
